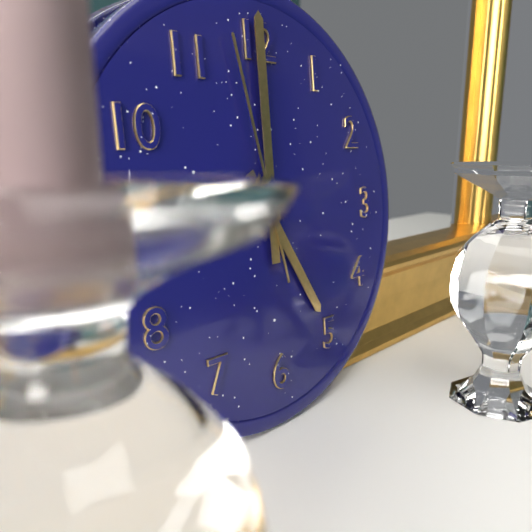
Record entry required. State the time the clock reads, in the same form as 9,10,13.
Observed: 5,00,58
